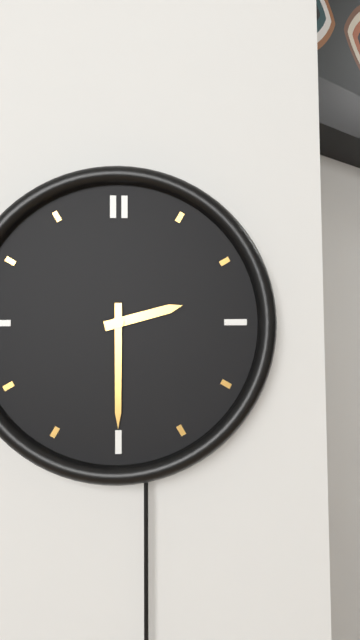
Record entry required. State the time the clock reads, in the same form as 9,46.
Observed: 2,30
